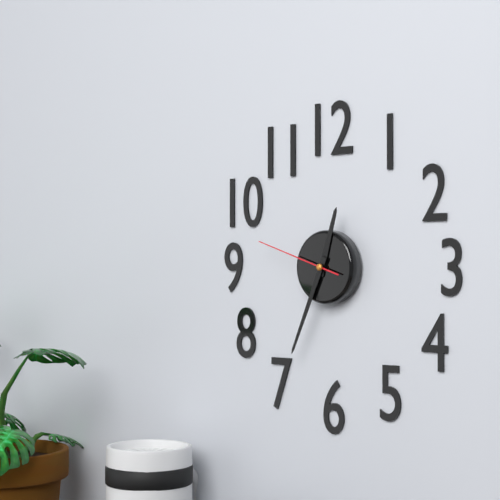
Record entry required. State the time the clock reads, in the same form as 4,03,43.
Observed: 12,34,48
